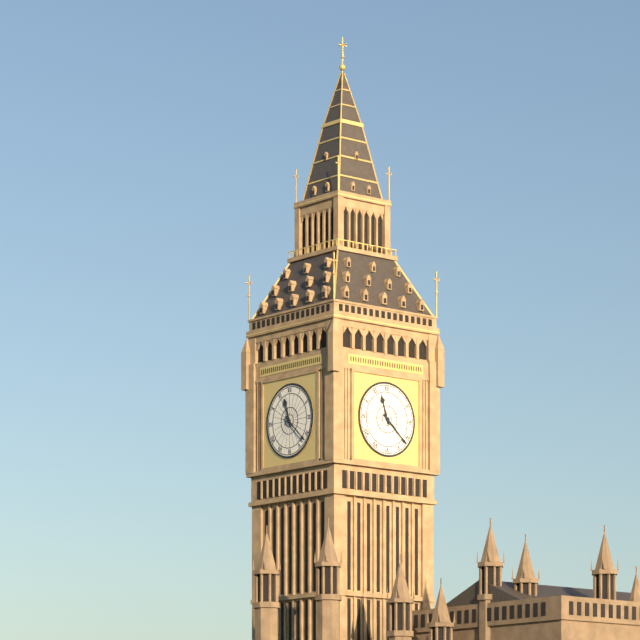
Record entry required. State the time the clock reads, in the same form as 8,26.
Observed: 11,22
